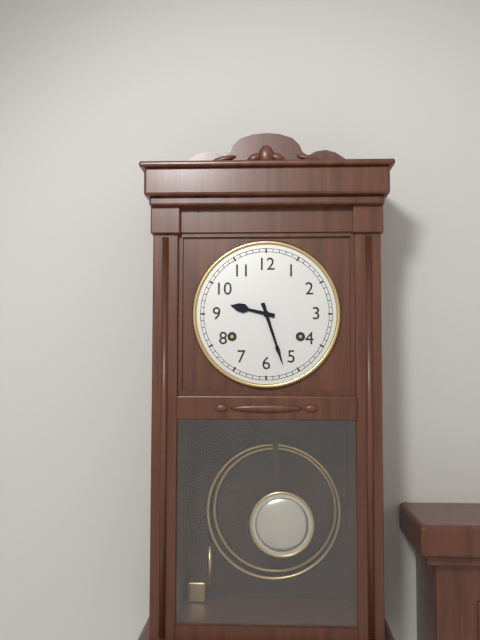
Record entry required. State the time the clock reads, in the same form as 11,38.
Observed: 9,27
